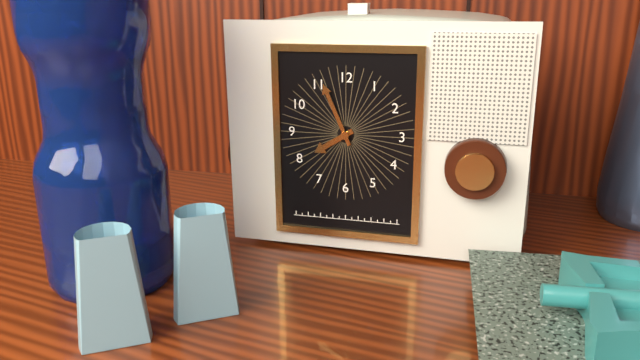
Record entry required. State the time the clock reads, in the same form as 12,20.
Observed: 7,56
